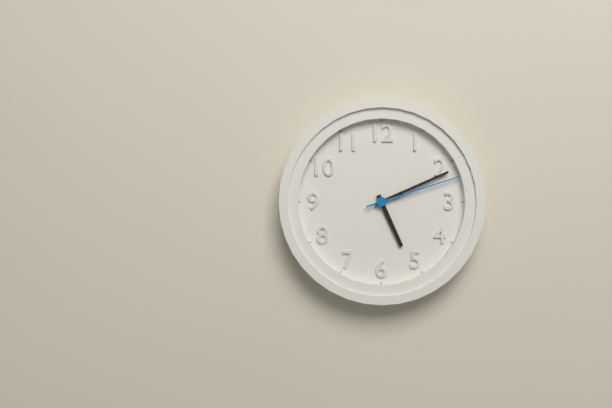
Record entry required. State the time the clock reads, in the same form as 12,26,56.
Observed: 5,11,12
